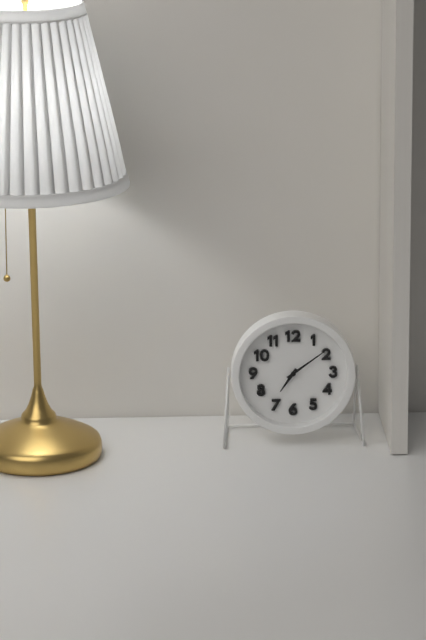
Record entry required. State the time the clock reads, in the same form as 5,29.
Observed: 7,09
